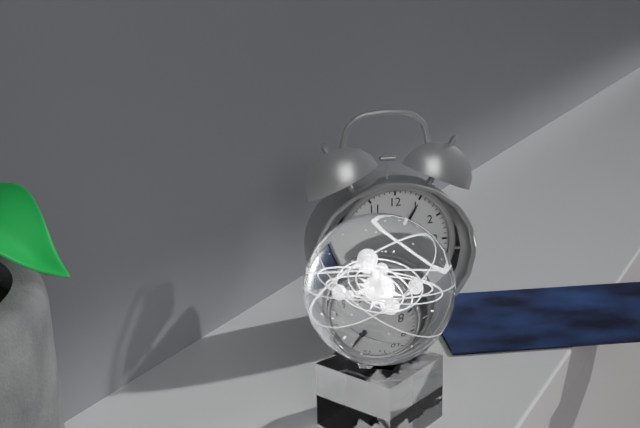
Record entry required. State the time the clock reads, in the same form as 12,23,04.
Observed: 1,05,49
